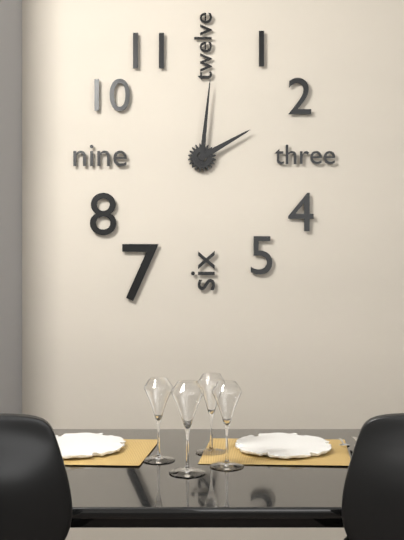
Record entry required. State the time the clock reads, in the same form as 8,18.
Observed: 2,01
